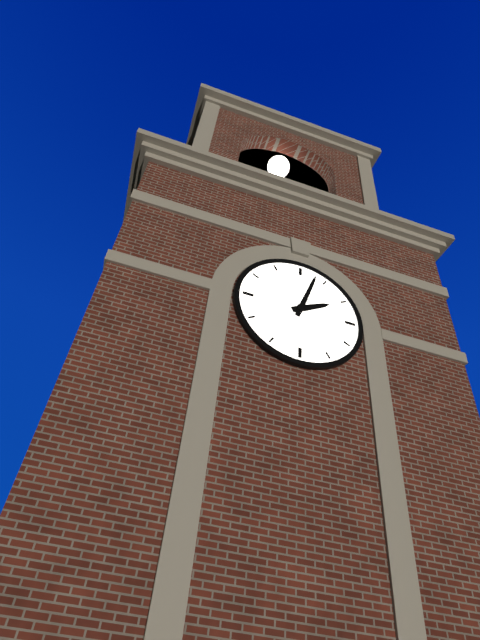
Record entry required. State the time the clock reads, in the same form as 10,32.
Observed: 2,03
